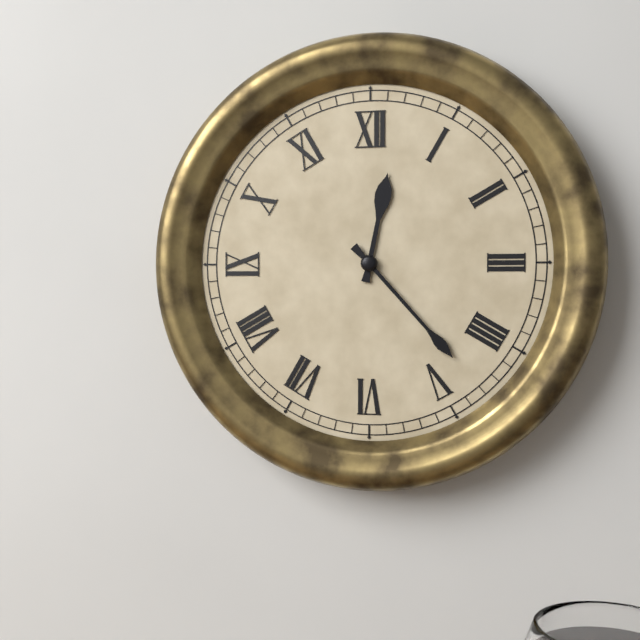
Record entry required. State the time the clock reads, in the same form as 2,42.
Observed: 12,23
